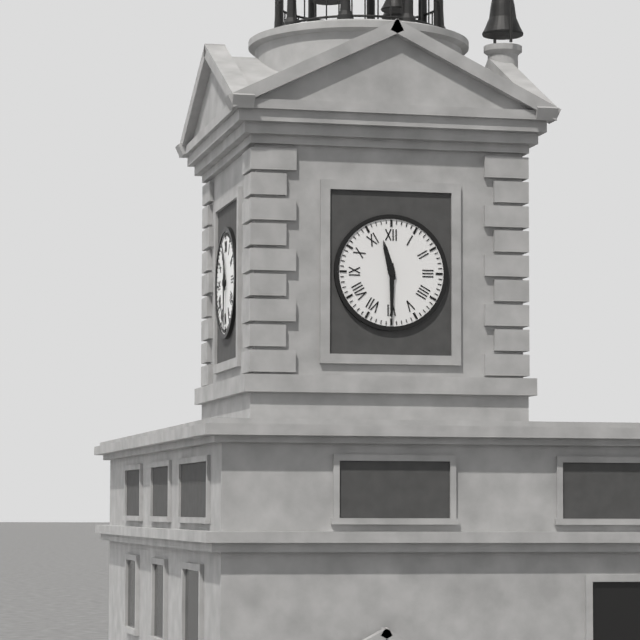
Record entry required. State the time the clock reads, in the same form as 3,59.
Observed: 11,30
